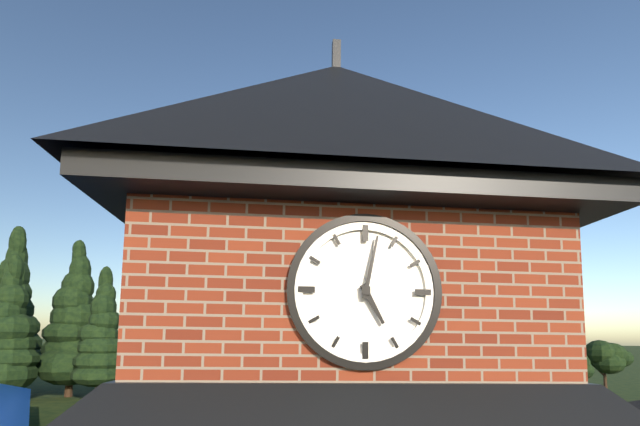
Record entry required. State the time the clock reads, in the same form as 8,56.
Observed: 5,02
